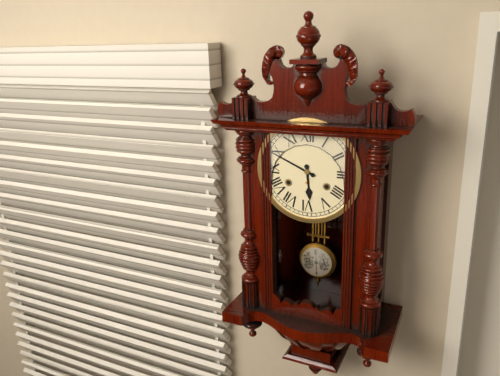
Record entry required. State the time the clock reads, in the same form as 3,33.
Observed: 5,49
